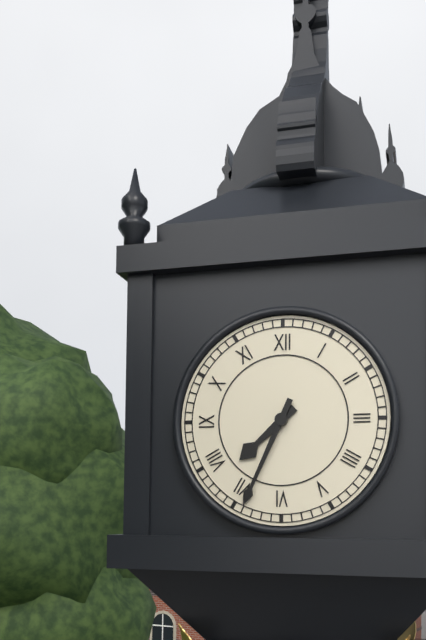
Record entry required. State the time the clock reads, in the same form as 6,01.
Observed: 7,34
